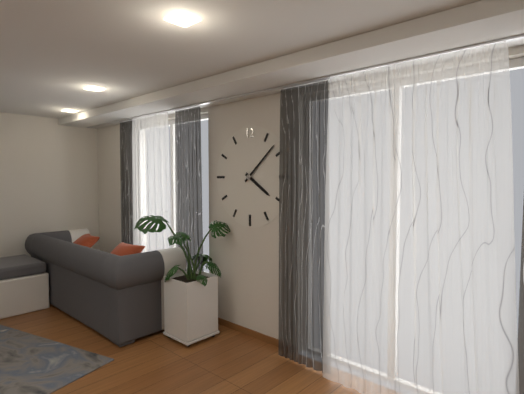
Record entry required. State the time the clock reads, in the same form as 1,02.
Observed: 4,08
